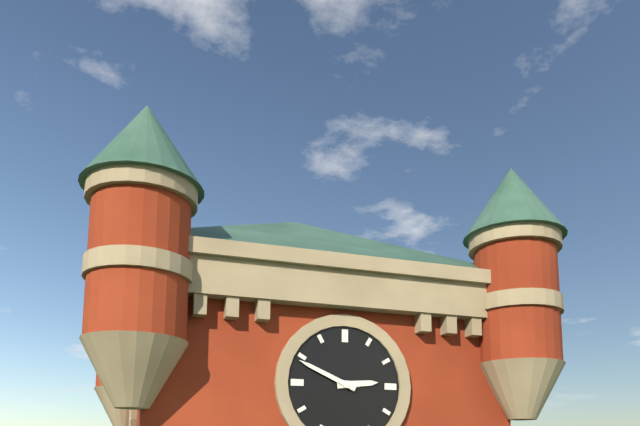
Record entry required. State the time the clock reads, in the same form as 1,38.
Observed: 2,49
